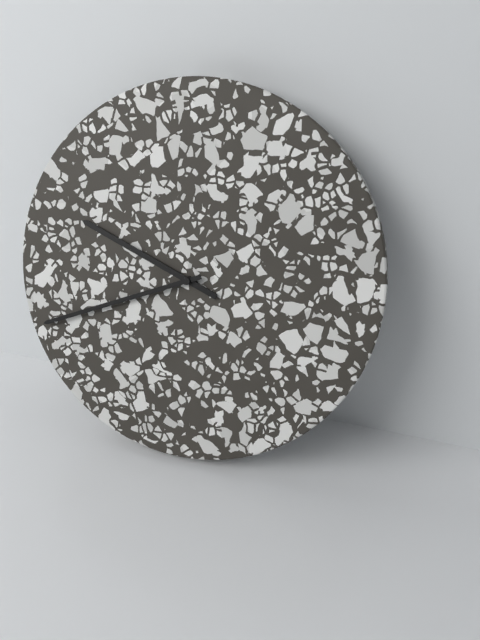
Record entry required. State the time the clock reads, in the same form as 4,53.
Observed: 9,41
